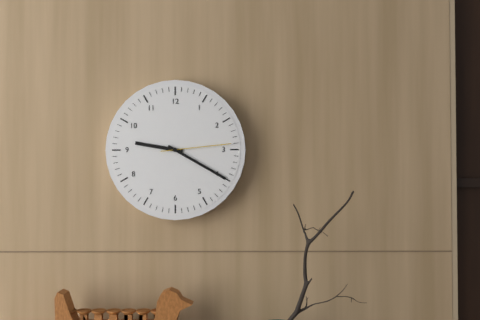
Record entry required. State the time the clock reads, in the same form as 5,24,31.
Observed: 9,20,14
